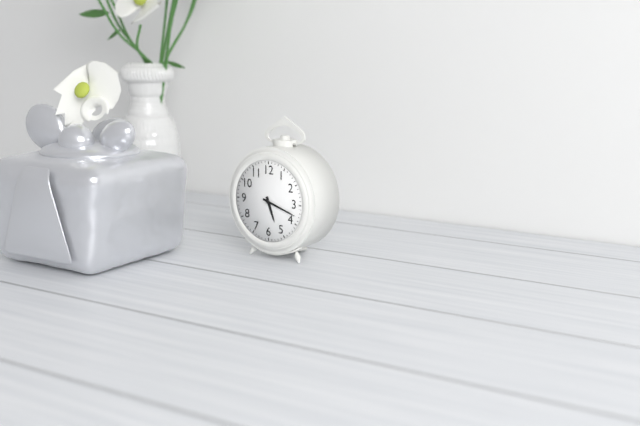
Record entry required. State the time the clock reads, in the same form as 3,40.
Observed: 5,18
